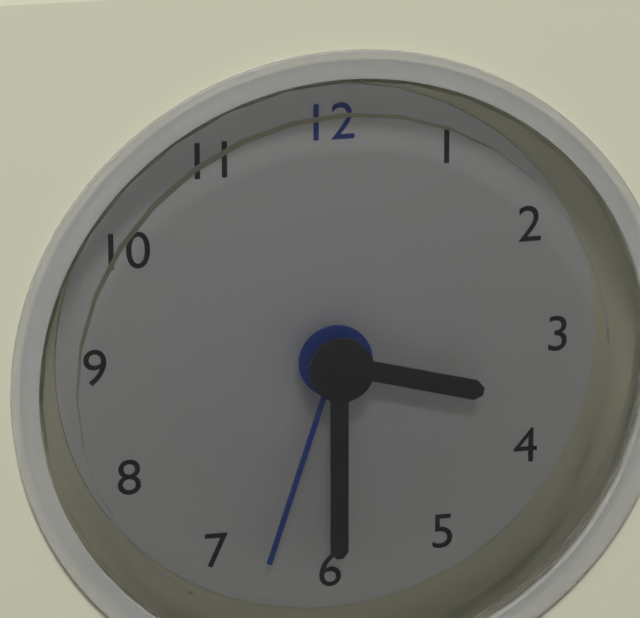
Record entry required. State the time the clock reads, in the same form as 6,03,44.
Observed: 3,30,33
